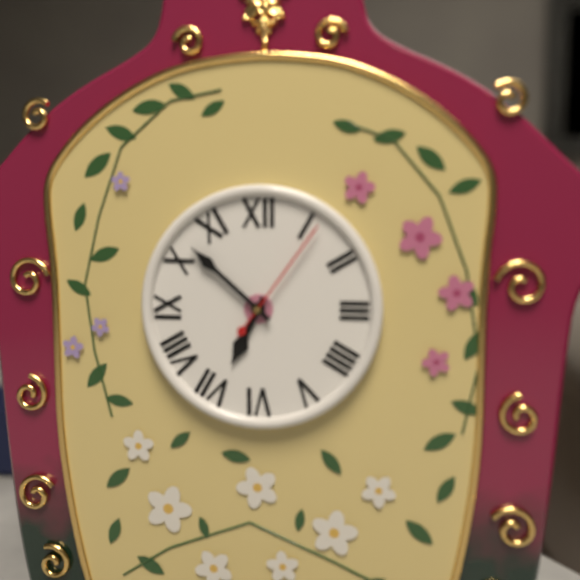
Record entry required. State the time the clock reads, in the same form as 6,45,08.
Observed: 6,52,06
